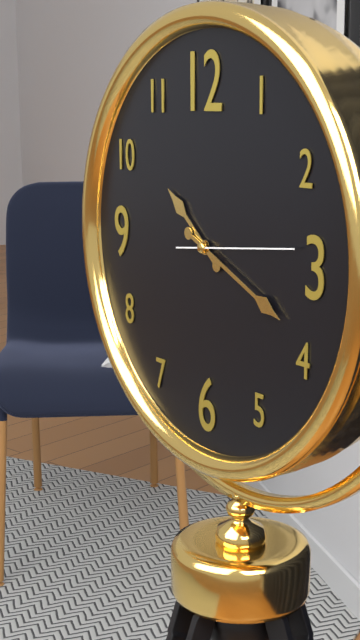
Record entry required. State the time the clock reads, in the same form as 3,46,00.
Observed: 10,19,14
